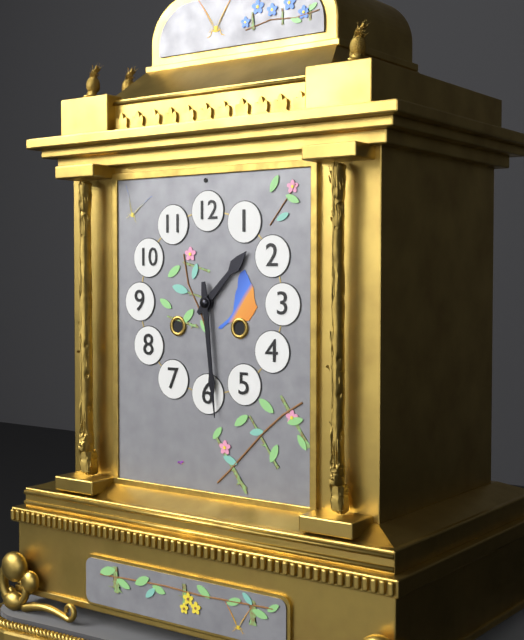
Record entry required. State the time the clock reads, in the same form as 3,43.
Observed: 1,29
